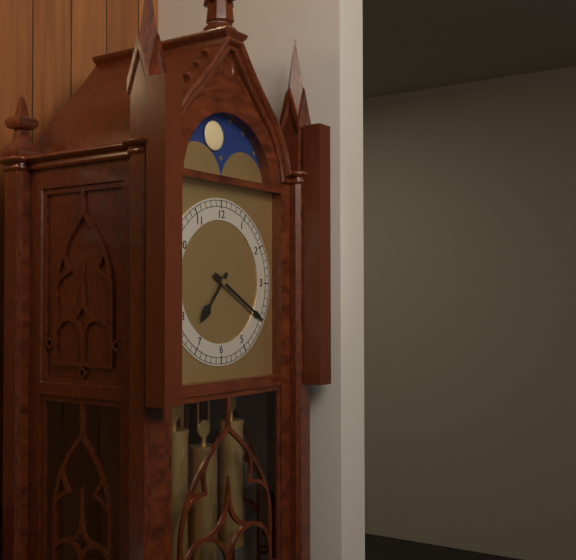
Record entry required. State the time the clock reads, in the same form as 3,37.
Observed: 7,20
